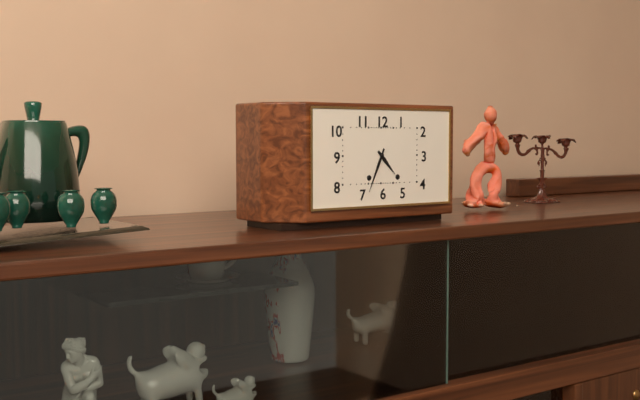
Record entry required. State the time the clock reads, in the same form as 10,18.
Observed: 4,34
